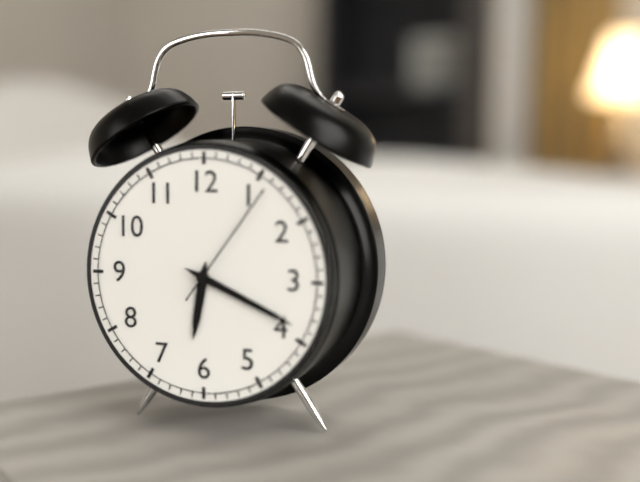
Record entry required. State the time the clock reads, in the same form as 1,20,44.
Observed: 6,19,06
